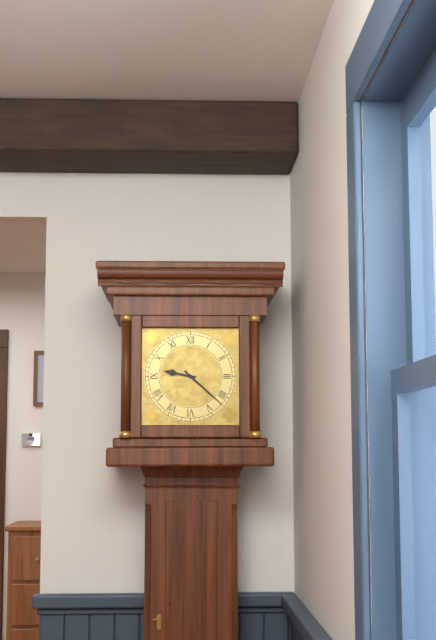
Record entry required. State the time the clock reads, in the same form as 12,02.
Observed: 9,22
